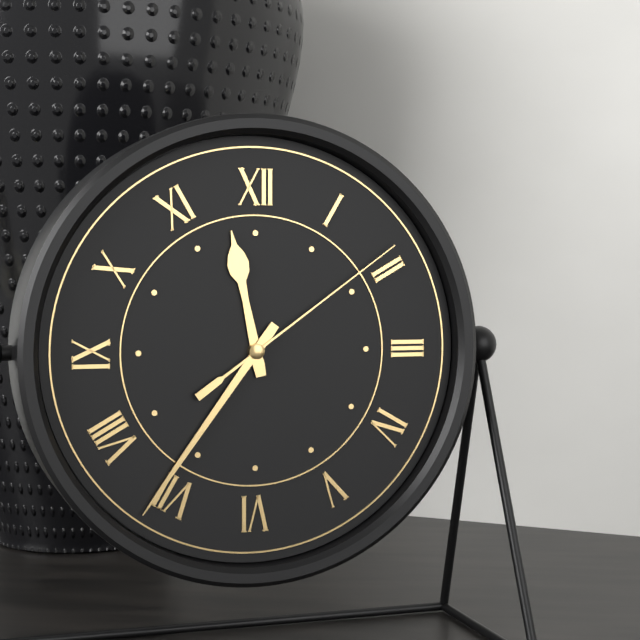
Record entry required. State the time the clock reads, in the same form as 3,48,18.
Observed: 11,36,09
